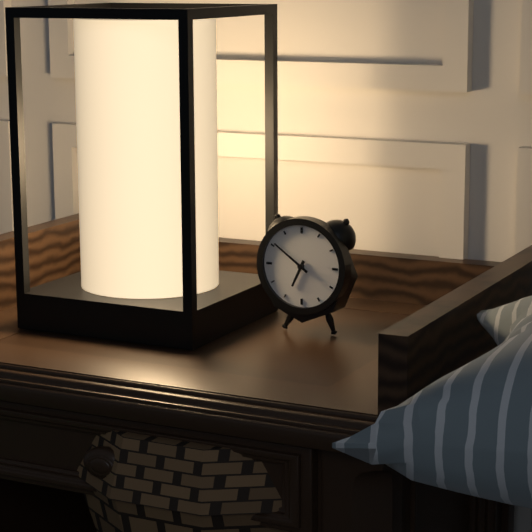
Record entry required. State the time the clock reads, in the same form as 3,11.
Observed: 6,51
